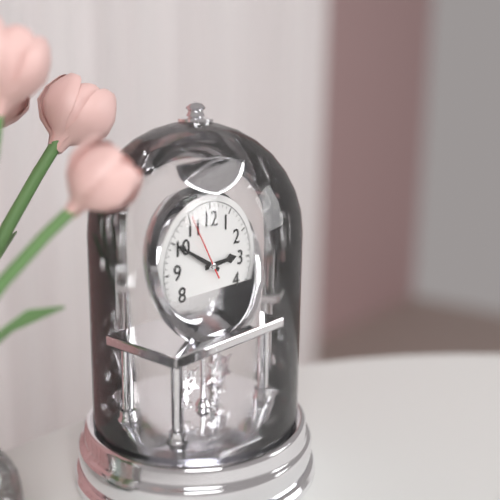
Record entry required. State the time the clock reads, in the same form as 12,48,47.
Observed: 2,50,55
